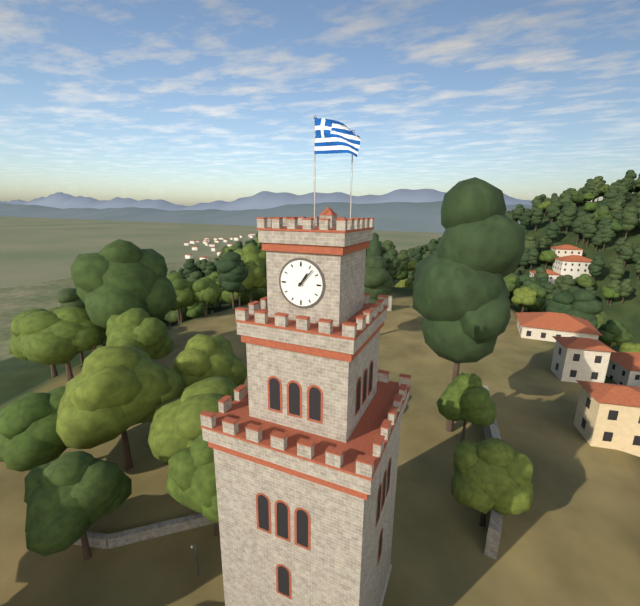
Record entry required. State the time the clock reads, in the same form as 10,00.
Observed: 1,07
